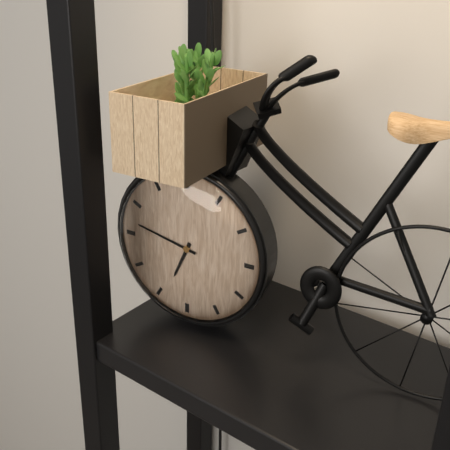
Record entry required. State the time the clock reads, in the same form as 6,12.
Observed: 6,47
